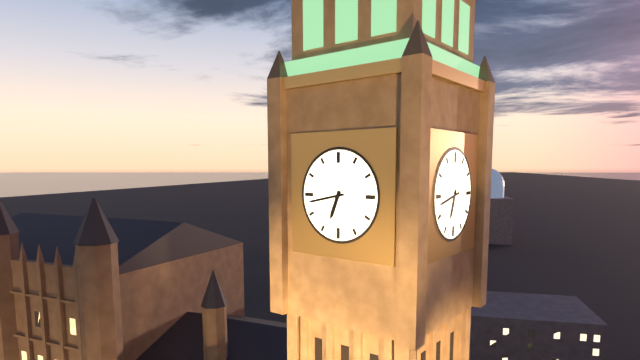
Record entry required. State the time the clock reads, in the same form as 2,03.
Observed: 6,43
